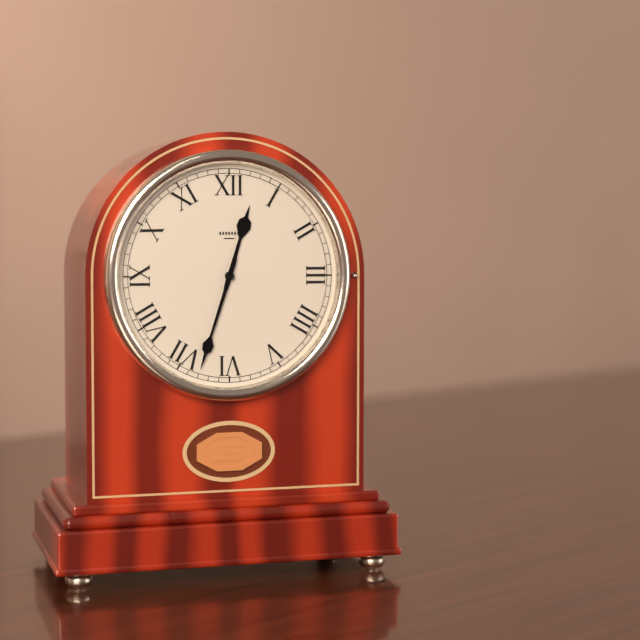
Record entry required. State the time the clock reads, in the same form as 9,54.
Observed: 12,33
